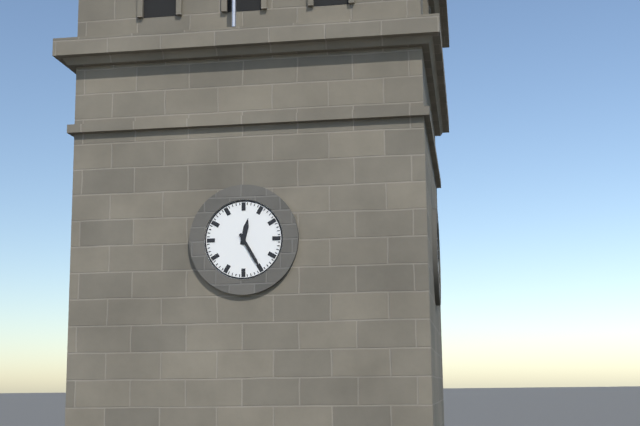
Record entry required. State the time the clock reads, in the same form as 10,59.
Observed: 12,25
